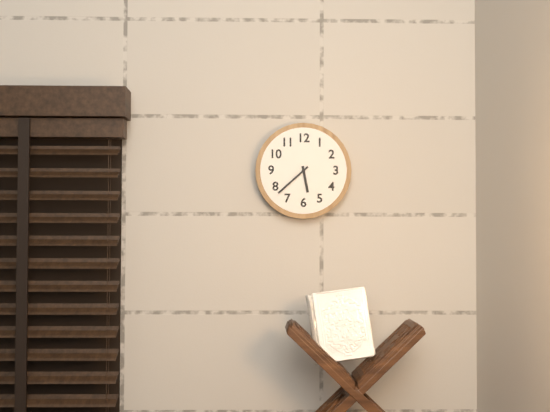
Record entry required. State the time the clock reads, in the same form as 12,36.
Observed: 5,38
